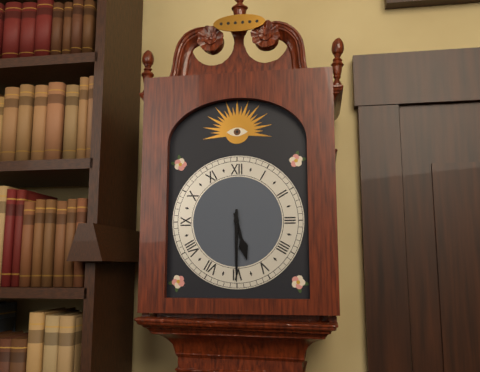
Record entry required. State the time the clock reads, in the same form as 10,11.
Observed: 5,30
